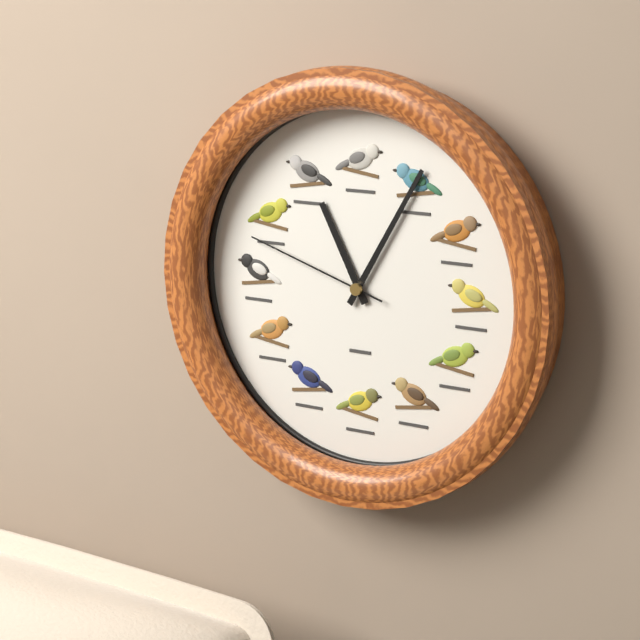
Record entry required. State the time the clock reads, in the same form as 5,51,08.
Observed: 11,05,48
